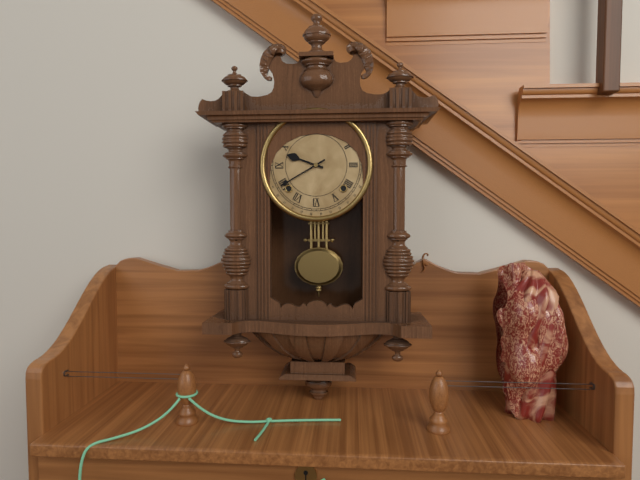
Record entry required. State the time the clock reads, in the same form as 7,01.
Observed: 9,40
